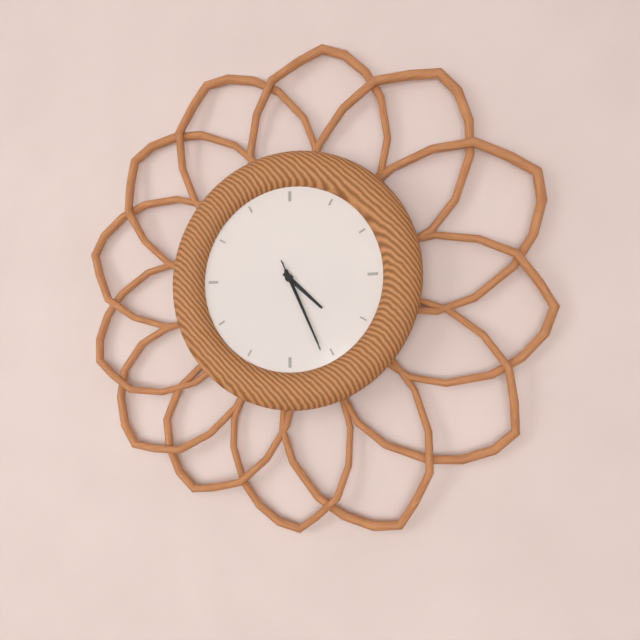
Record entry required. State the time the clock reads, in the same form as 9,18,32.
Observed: 4,26,26
